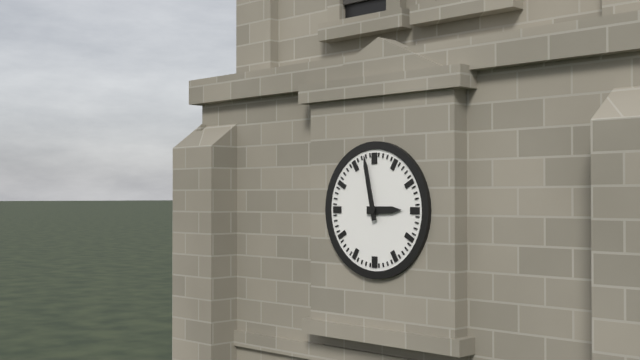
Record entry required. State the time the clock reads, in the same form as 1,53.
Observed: 2,58
